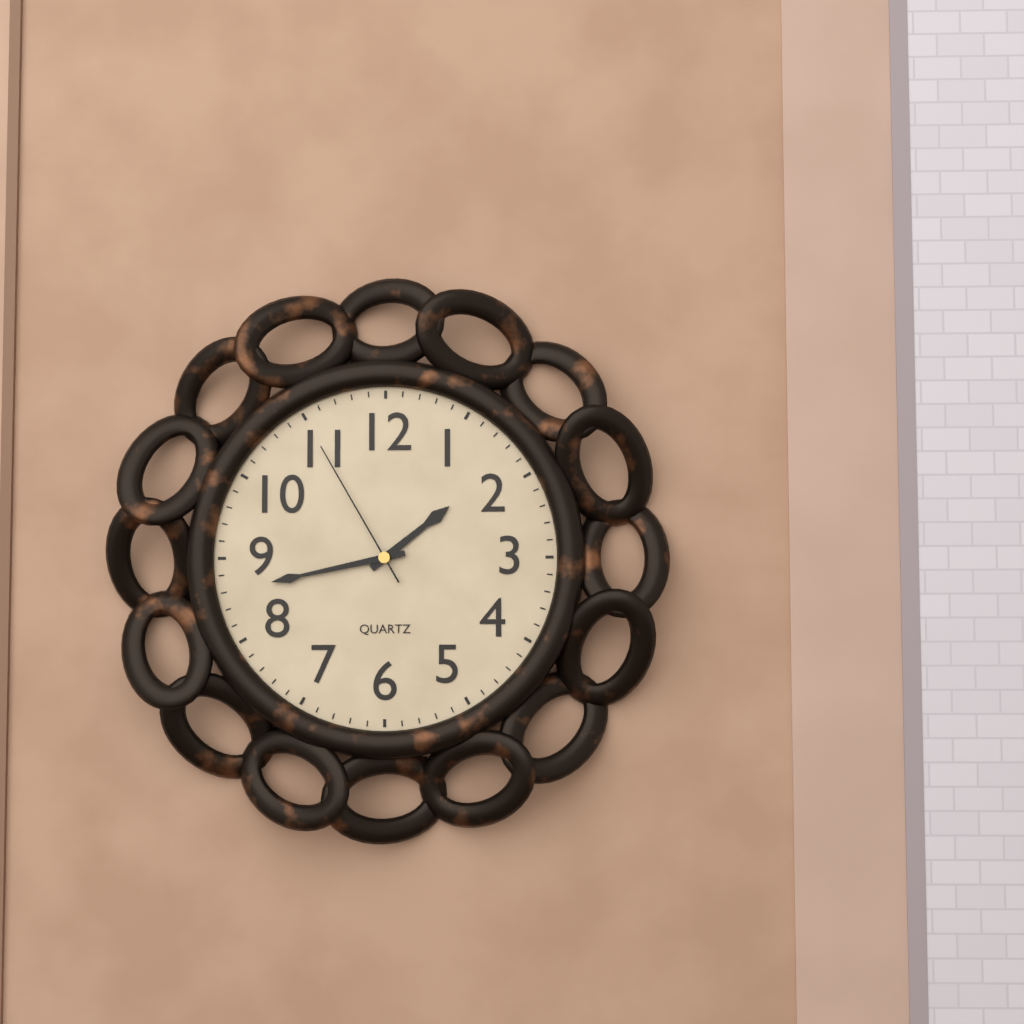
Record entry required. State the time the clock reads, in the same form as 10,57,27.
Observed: 1,43,55
